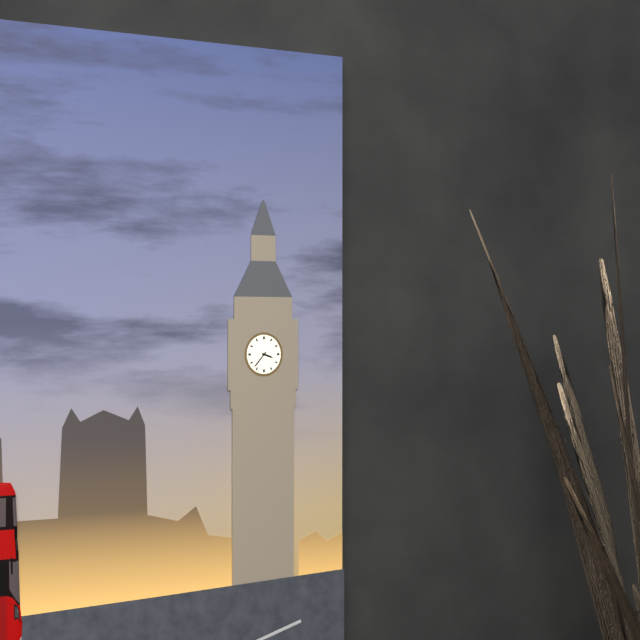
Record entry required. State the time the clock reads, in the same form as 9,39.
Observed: 3,37
